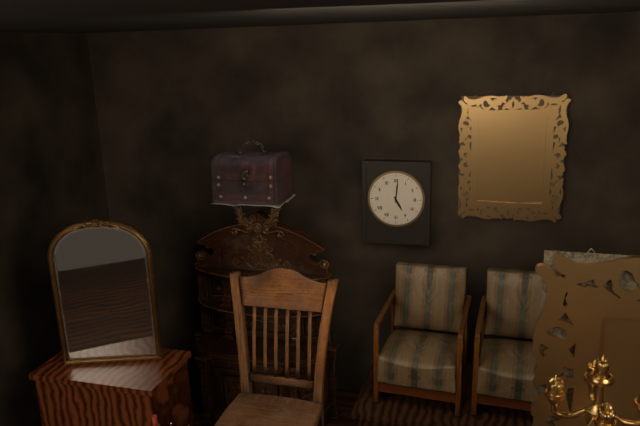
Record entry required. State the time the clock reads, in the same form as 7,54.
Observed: 5,01
